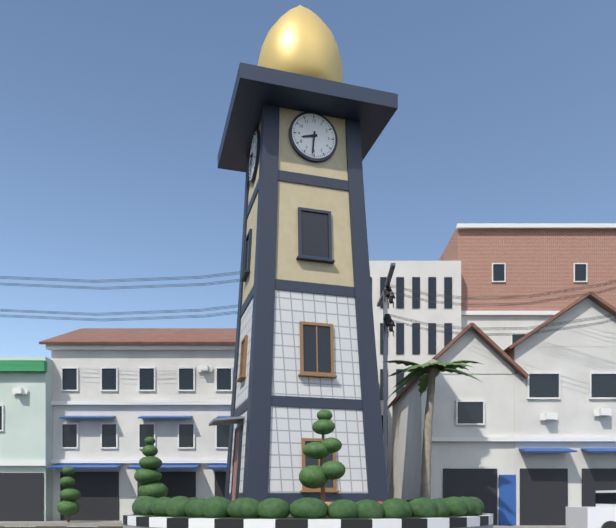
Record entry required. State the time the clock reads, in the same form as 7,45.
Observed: 8,31
